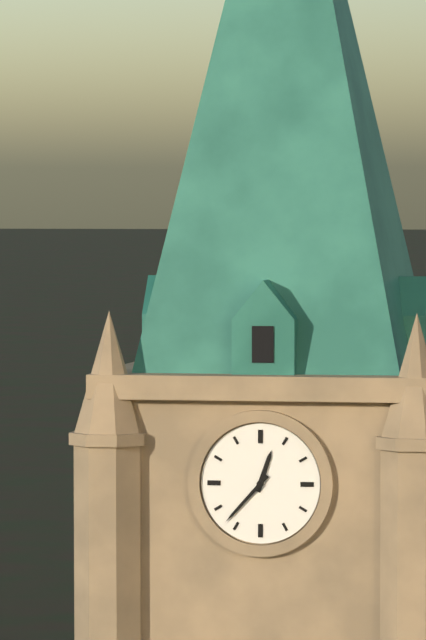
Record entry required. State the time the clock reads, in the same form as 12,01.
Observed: 12,37
